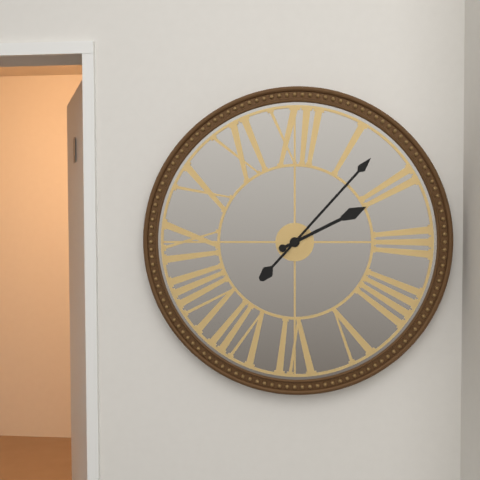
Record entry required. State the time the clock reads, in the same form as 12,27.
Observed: 2,07
